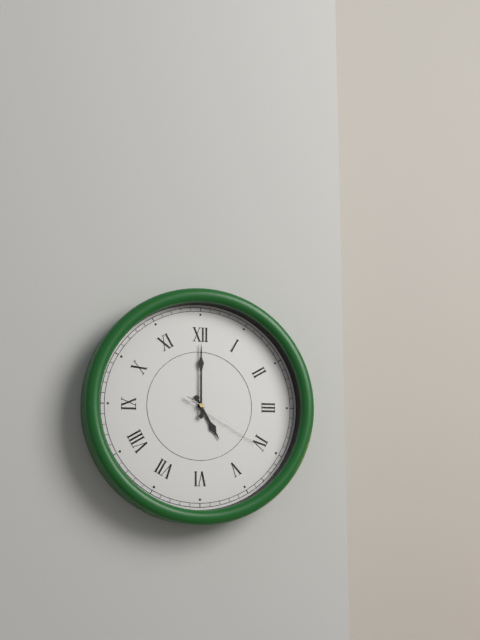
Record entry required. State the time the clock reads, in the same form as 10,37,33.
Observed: 5,00,20
